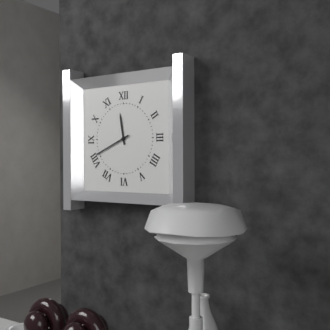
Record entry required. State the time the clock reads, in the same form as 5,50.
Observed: 11,41
